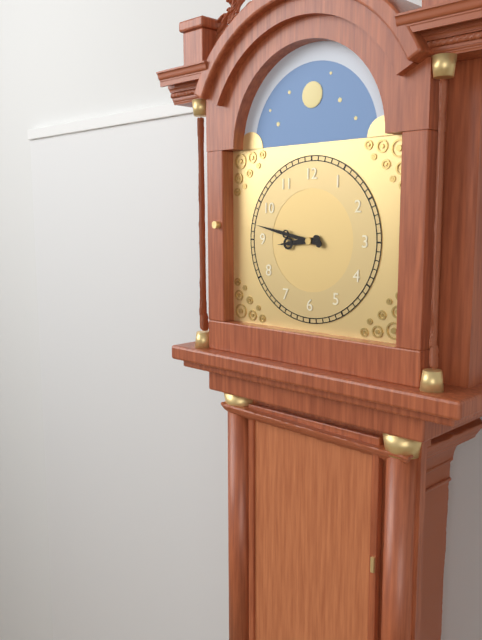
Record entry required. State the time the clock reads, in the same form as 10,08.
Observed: 8,47
